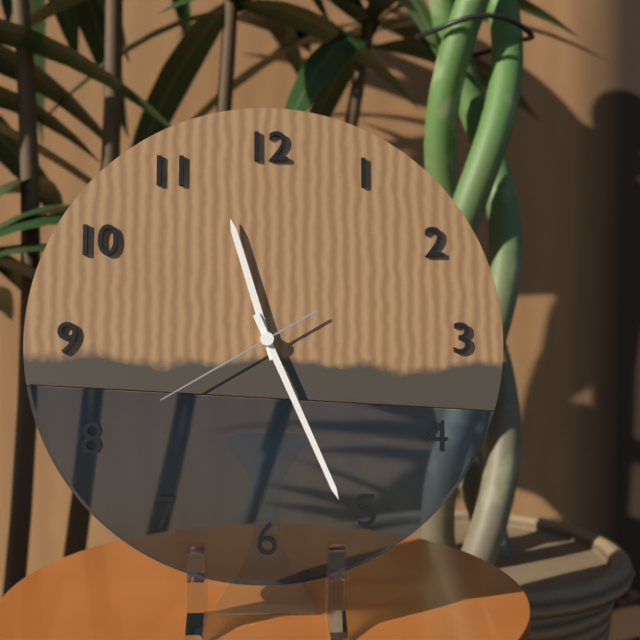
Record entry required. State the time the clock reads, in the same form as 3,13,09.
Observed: 11,26,40
